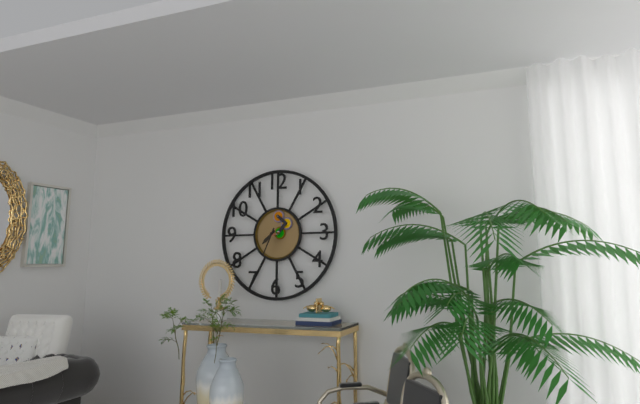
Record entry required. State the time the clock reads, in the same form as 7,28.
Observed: 7,34
